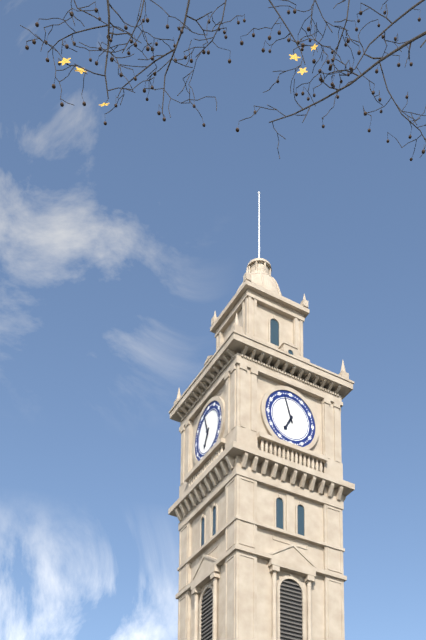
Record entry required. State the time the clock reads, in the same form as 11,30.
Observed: 6,57
